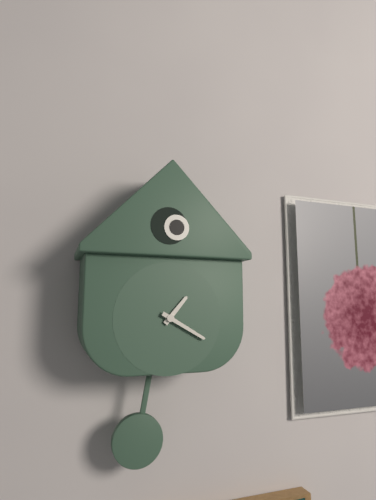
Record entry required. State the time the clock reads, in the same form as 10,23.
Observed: 1,20
